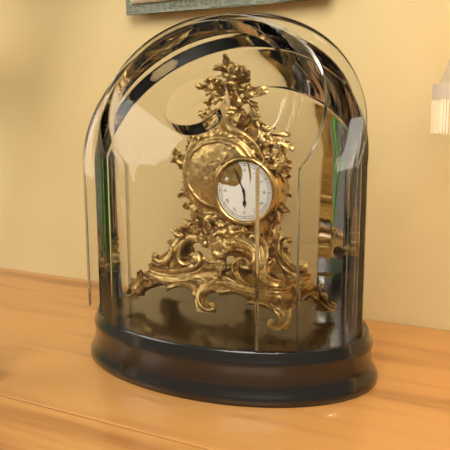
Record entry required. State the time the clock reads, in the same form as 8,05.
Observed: 5,56
